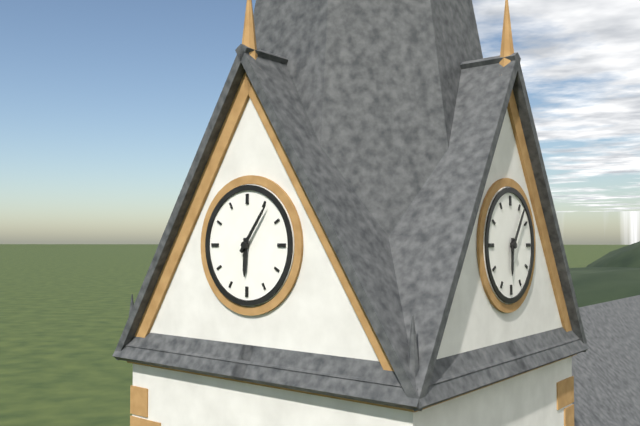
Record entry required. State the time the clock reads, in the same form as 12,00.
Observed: 6,06
